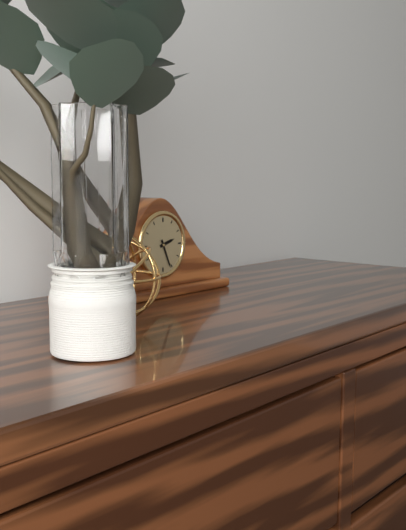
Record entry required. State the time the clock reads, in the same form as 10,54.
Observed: 2,26
